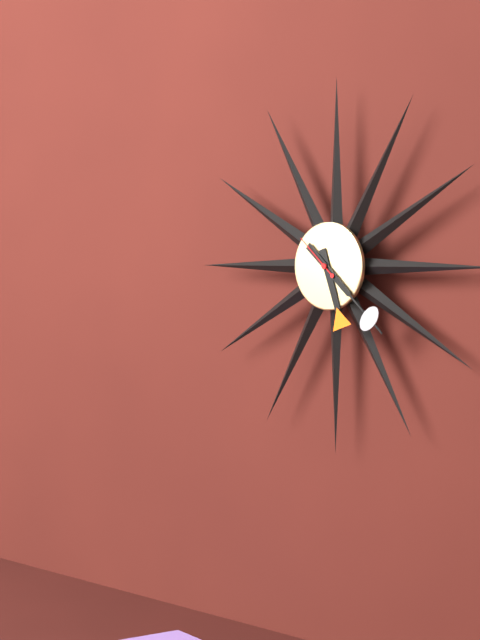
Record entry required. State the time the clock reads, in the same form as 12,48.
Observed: 5,22
